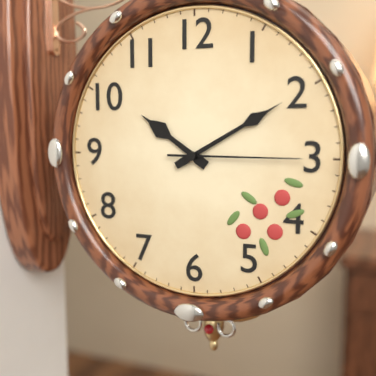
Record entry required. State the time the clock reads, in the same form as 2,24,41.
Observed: 10,10,15
